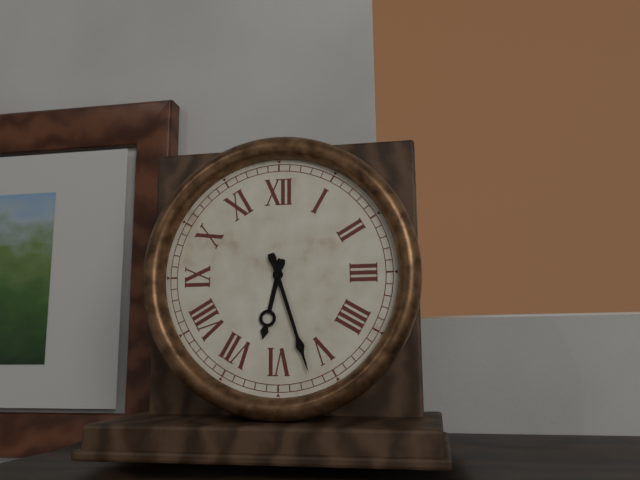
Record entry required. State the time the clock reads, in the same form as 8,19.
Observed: 6,27
